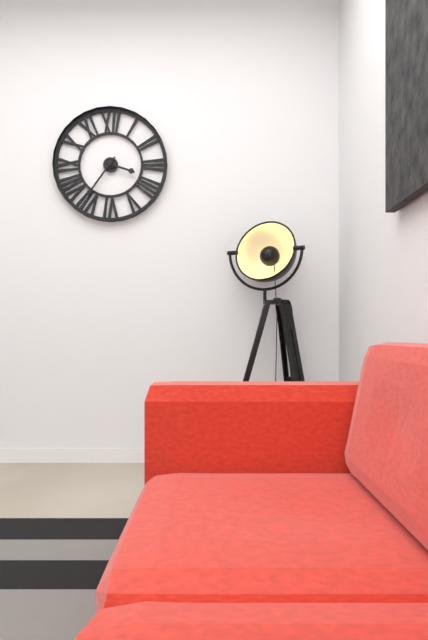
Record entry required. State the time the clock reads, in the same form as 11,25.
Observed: 3,36
